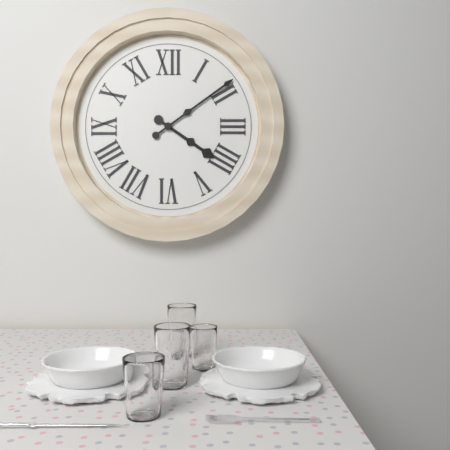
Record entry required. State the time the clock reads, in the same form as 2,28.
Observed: 4,09
